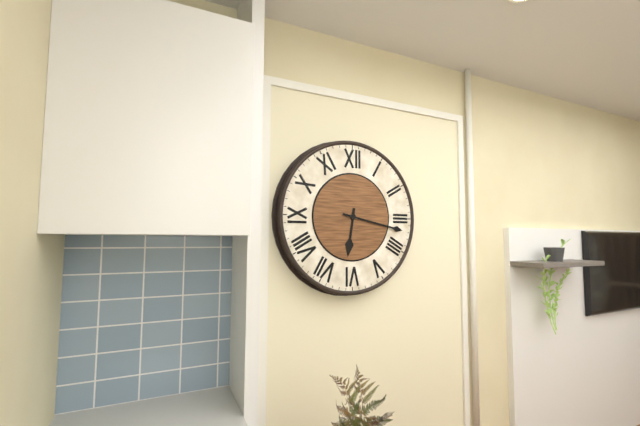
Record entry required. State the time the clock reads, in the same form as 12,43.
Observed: 6,17
